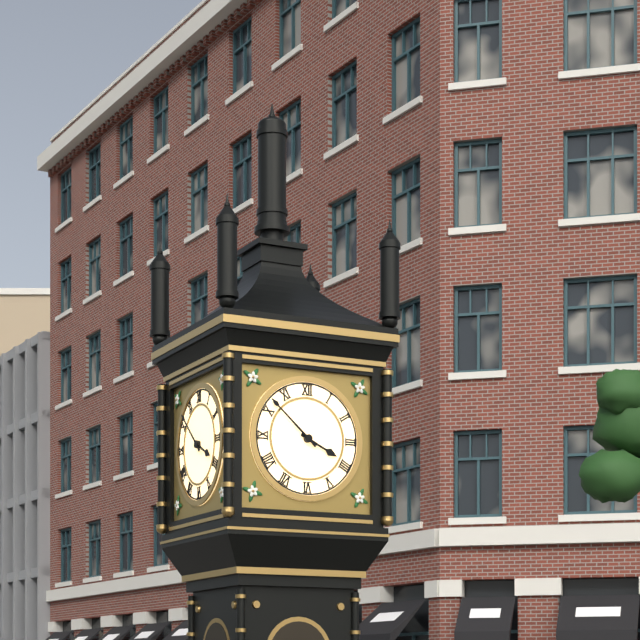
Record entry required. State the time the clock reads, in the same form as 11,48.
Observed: 3,52
